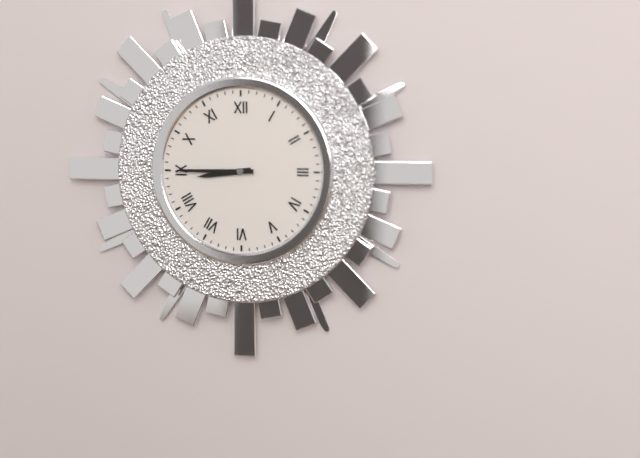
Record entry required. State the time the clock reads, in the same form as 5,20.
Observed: 8,45
